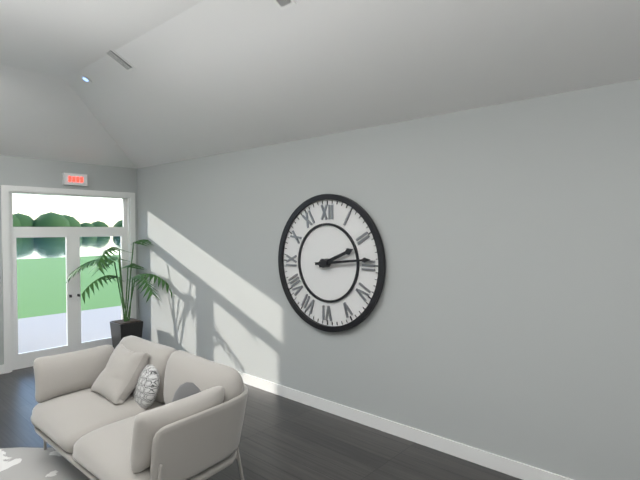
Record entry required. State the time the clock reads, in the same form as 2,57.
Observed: 2,14
